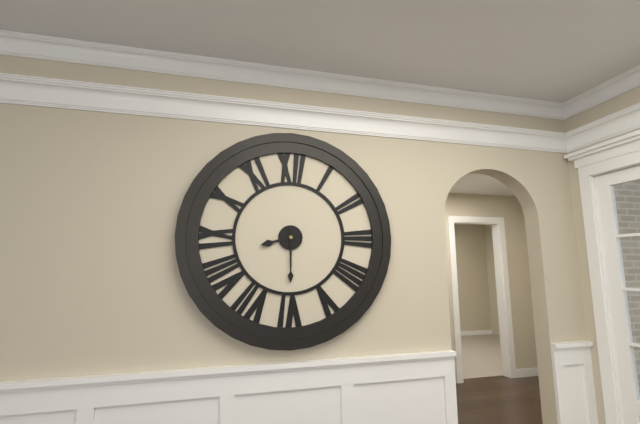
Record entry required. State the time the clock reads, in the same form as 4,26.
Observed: 8,30
